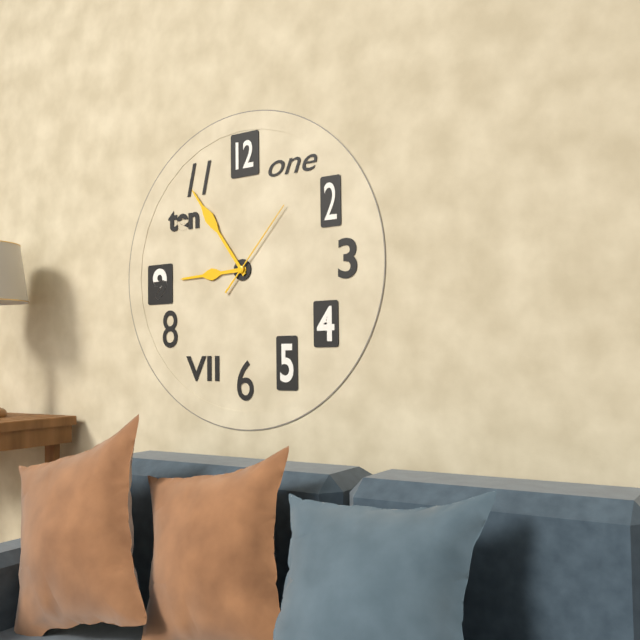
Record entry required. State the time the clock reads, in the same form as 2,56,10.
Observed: 8,54,07
